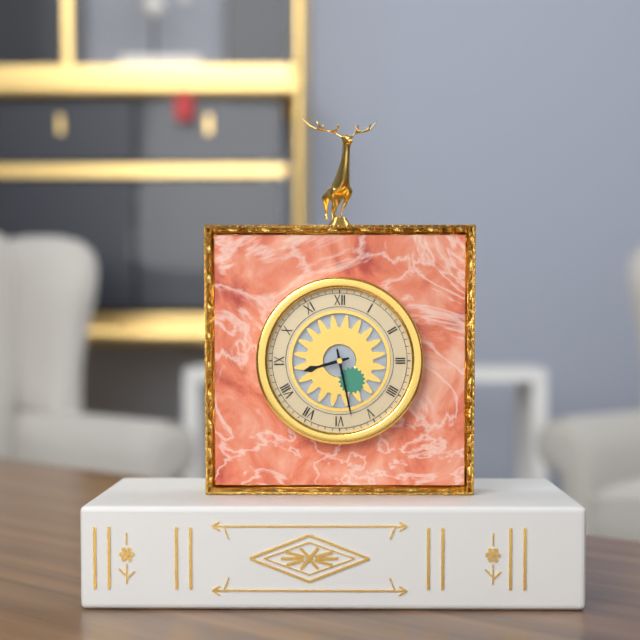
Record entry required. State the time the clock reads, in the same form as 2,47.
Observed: 8,28
